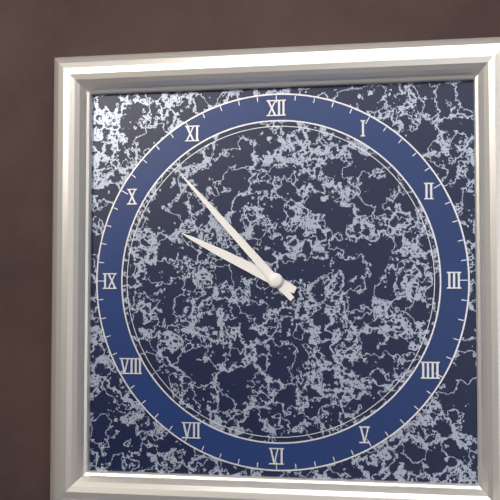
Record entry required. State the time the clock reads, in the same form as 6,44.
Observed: 9,53
